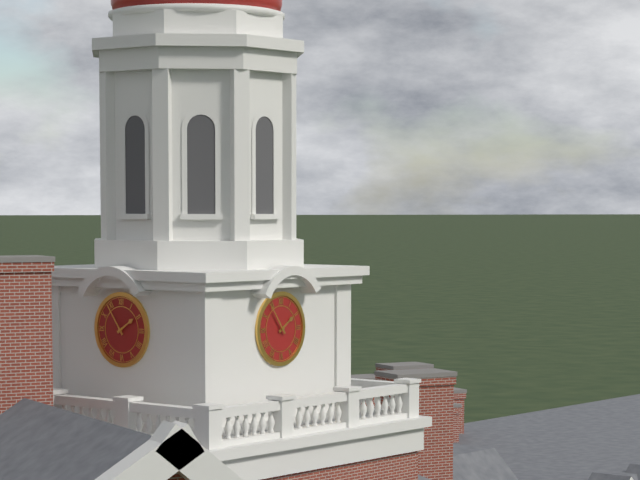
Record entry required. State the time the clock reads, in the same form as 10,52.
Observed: 1,54
